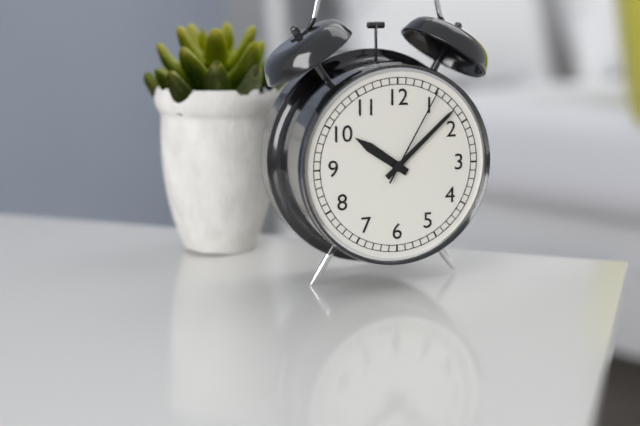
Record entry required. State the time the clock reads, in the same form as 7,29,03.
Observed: 10,08,05
